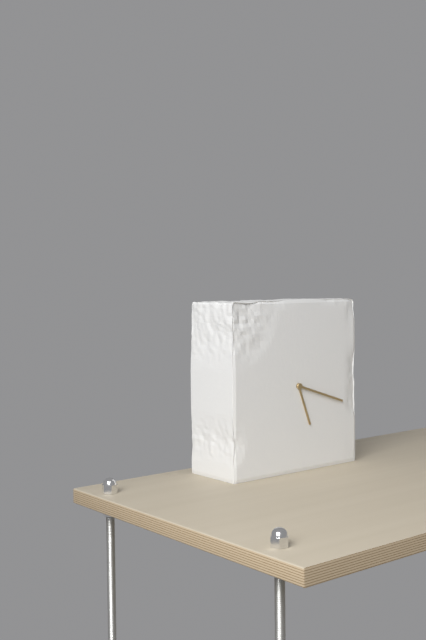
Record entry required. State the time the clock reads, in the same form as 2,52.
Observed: 5,18
